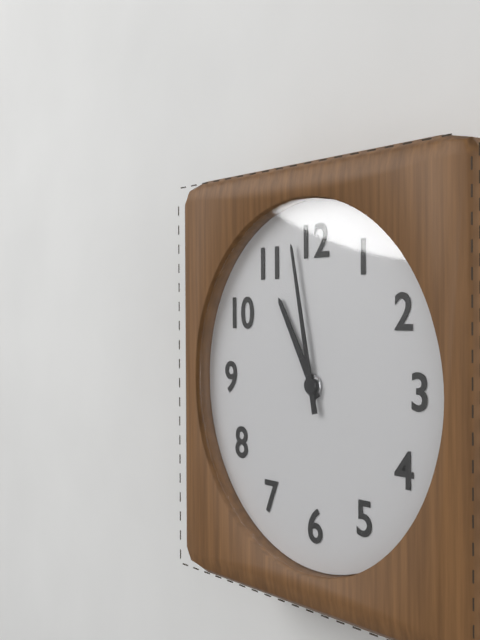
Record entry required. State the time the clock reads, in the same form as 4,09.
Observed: 10,58
